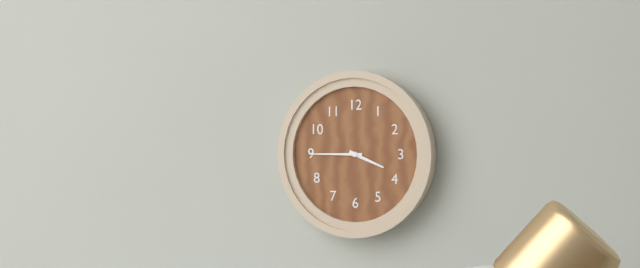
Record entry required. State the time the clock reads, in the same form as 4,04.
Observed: 3,45
